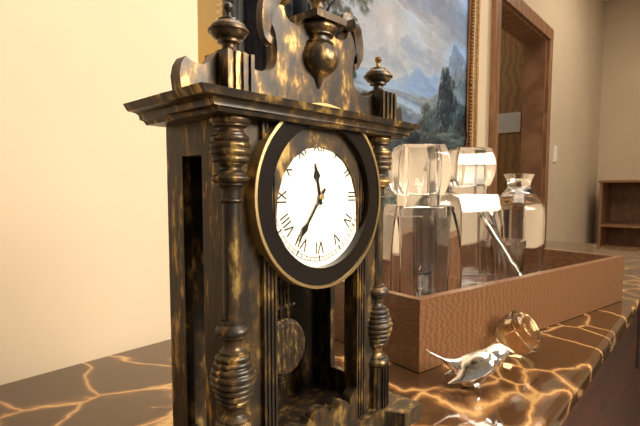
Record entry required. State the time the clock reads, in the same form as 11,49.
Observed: 11,36
